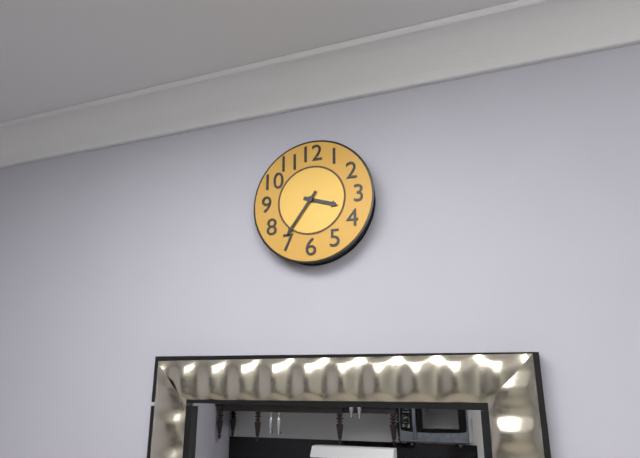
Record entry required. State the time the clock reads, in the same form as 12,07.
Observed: 3,36
